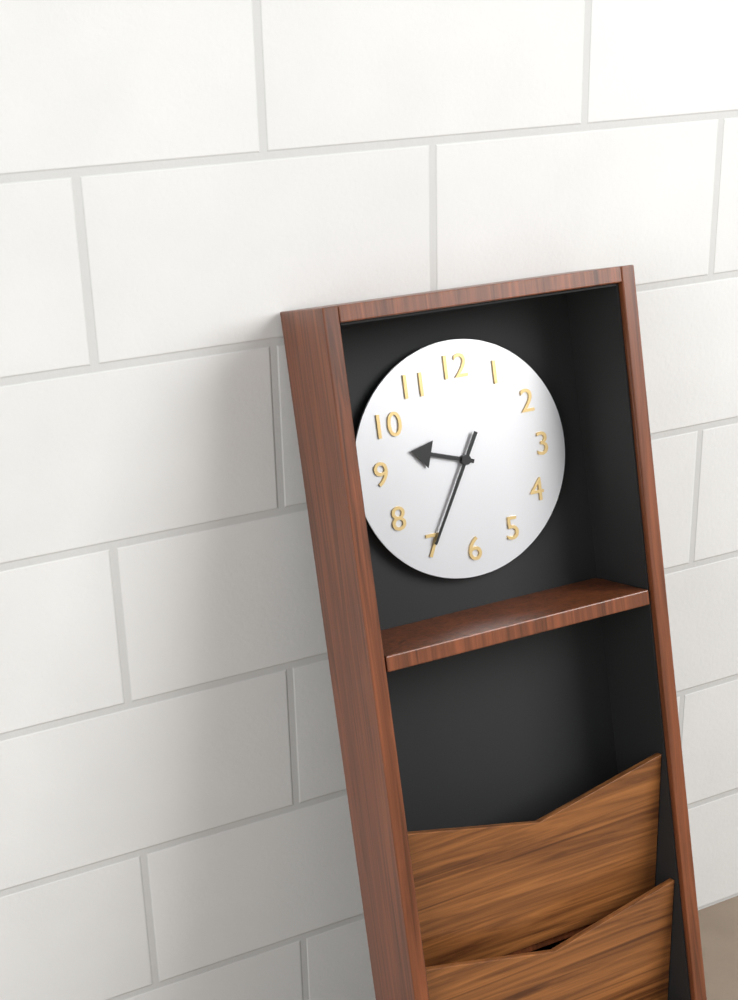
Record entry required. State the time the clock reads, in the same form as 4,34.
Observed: 9,35
